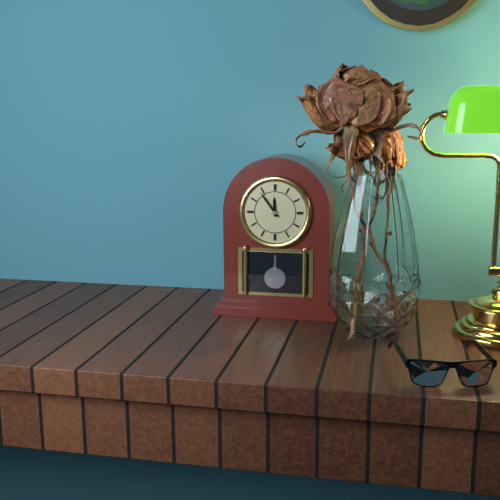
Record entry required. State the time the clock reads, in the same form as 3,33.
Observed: 11,54
